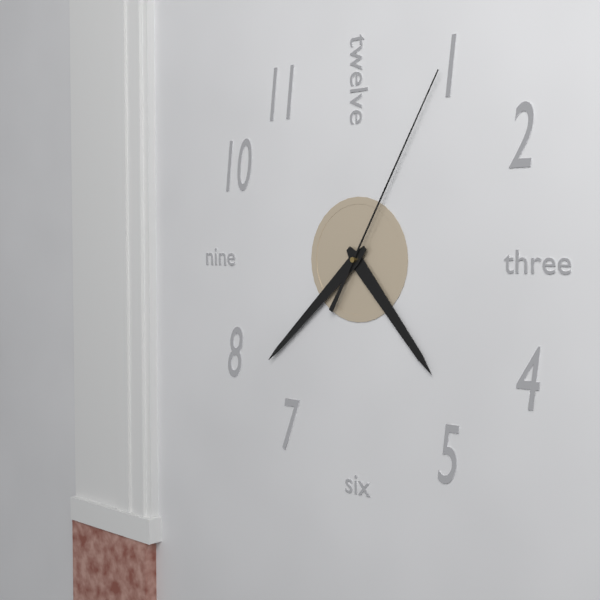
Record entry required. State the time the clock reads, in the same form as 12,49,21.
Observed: 4,38,05
